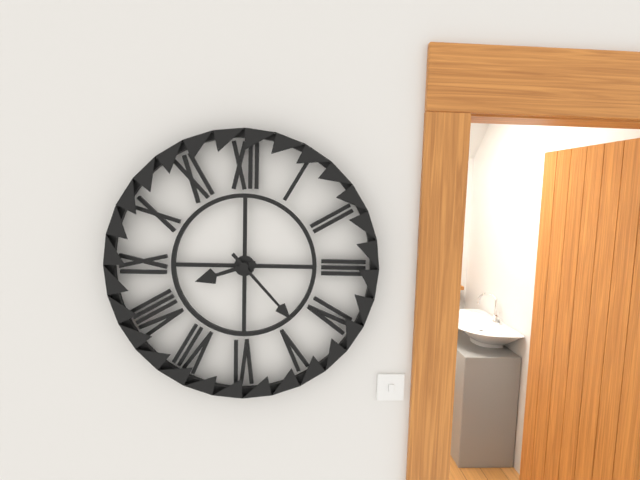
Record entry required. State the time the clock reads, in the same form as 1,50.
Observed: 8,23
